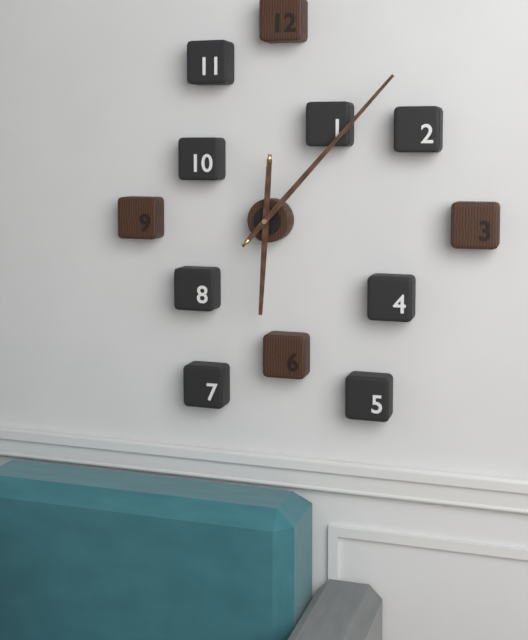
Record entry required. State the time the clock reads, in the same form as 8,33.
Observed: 6,07
